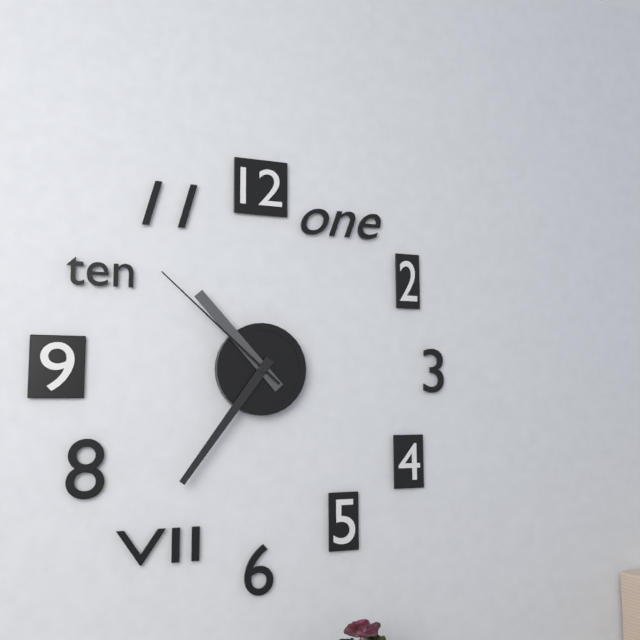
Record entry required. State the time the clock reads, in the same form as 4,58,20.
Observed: 10,36,52
